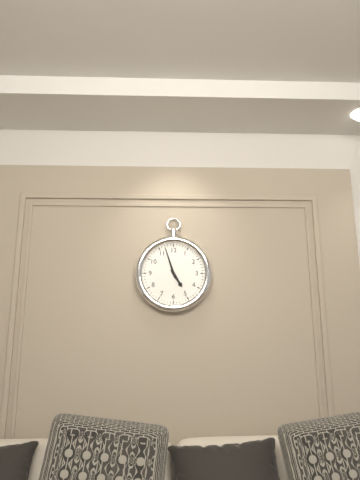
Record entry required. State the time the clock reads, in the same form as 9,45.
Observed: 4,57
